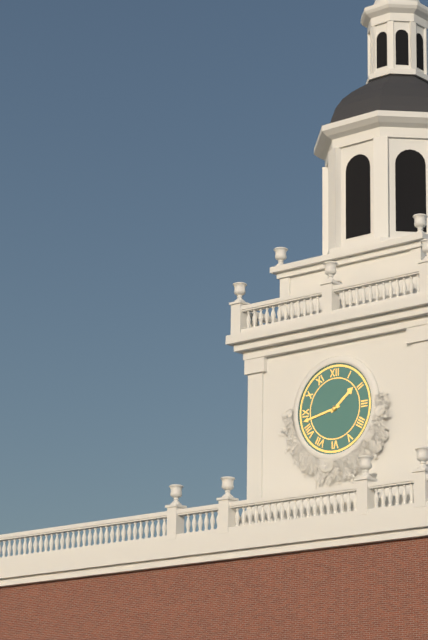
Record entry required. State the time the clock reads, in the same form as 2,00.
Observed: 1,43
